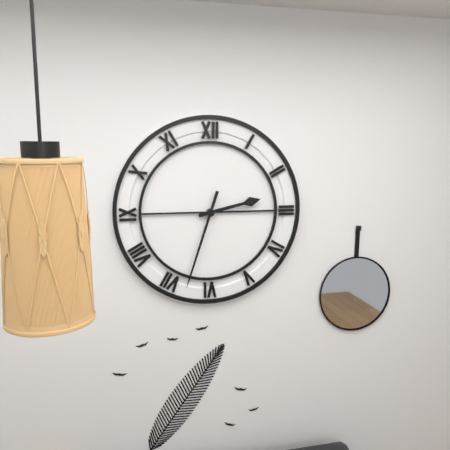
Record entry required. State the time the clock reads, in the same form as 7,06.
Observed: 2,33
